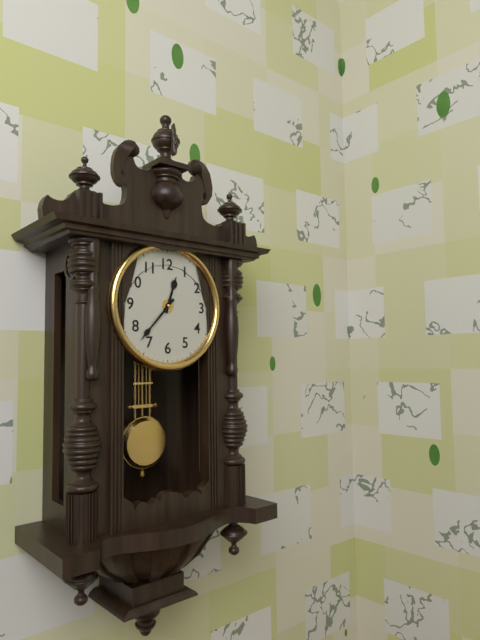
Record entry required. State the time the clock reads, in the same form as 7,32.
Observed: 12,37
